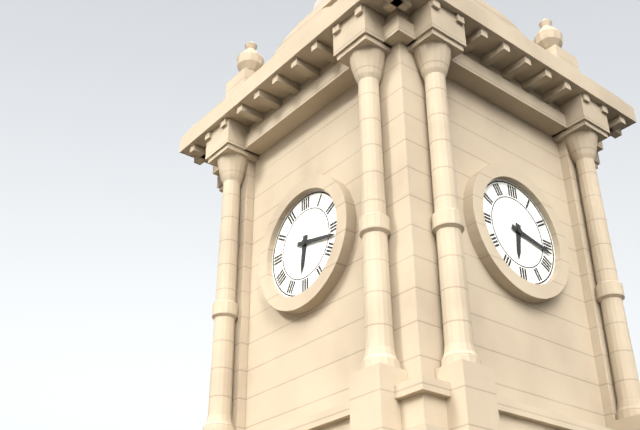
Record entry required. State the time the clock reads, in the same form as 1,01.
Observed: 6,17
